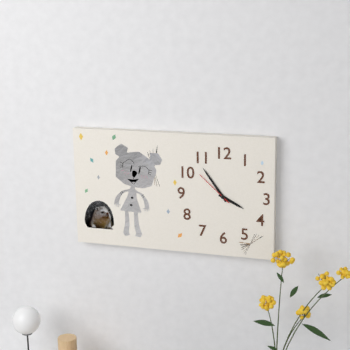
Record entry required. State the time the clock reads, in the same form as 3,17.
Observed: 3,54
